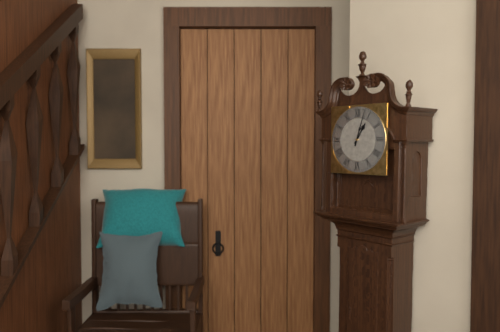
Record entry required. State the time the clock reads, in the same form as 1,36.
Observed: 1,03
